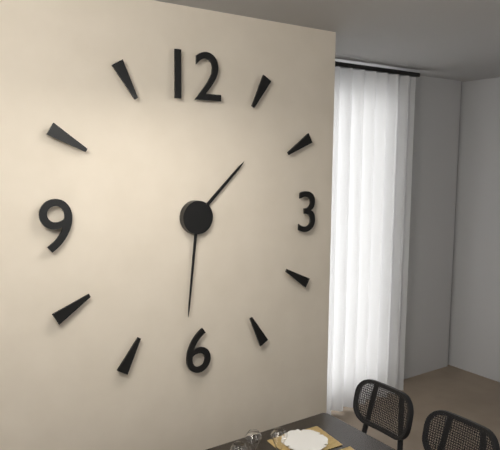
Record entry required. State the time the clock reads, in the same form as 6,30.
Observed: 1,31
